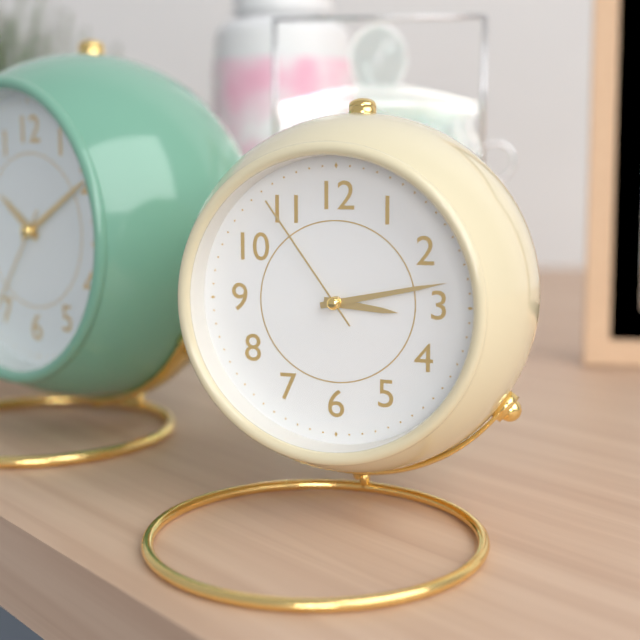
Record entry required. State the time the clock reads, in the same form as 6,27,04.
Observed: 3,13,54
